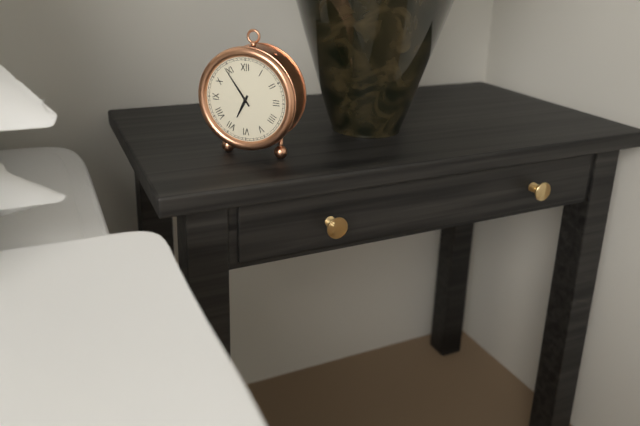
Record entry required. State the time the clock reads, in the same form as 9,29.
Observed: 6,54
